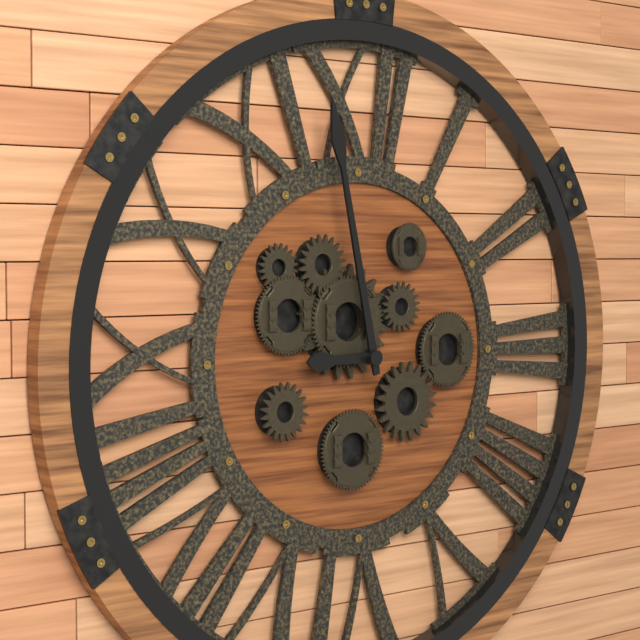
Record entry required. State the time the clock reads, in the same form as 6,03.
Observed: 8,58
